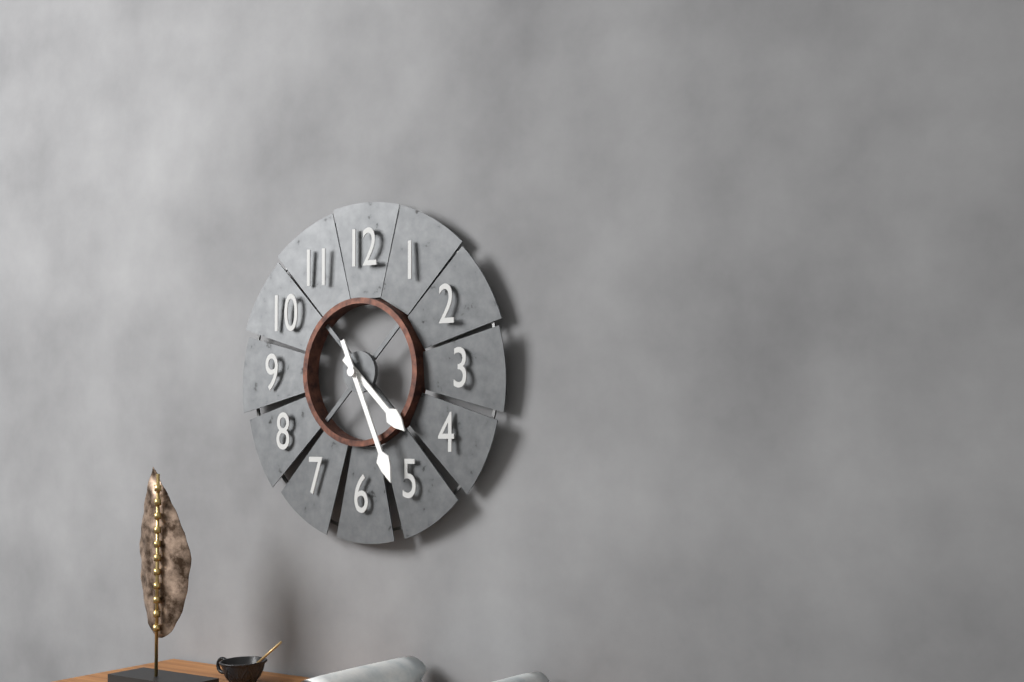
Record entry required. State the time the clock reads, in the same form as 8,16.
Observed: 4,26
